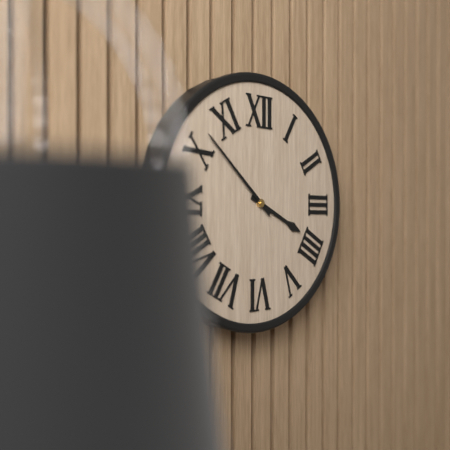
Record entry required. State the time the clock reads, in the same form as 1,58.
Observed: 3,52
